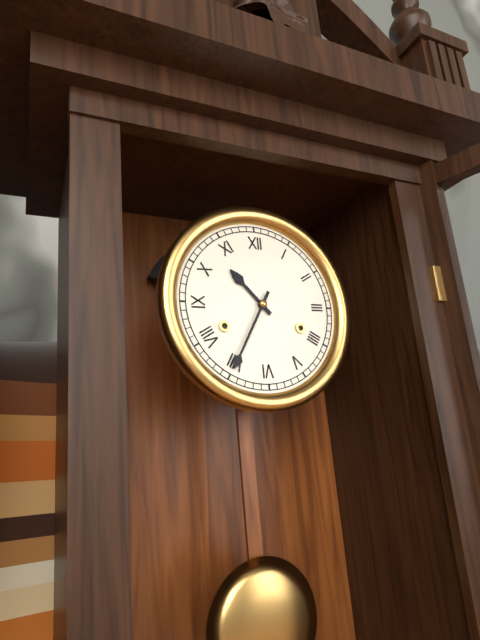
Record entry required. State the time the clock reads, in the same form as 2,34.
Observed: 10,35
